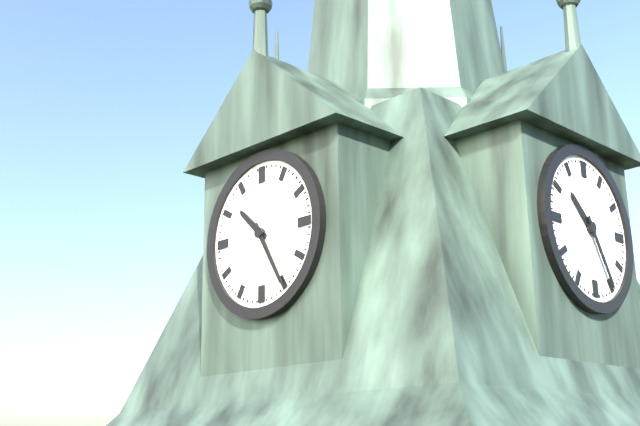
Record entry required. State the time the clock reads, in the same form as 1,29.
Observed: 10,25
